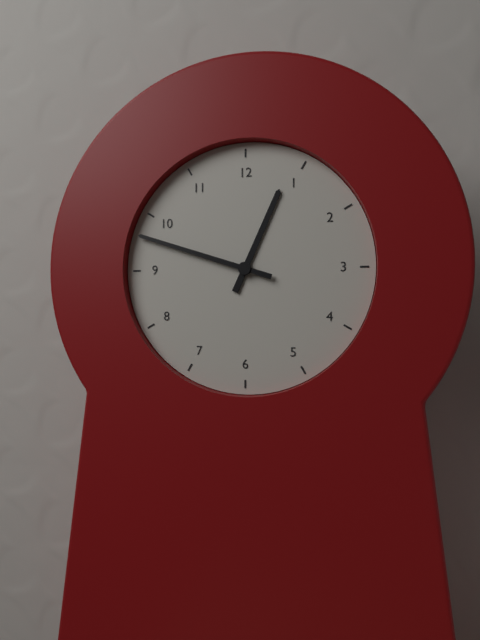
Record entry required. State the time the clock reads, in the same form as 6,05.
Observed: 12,48
